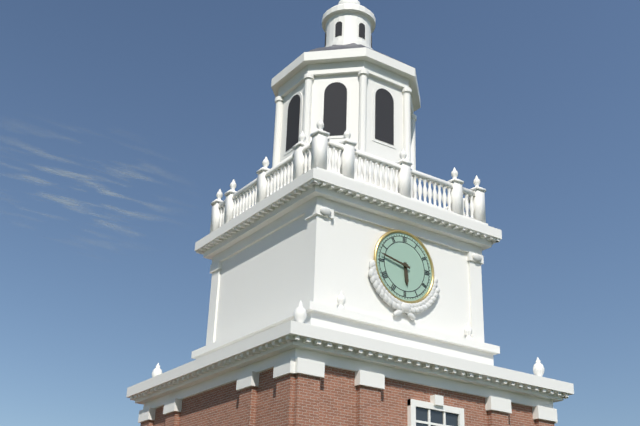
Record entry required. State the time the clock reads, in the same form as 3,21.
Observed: 5,47
